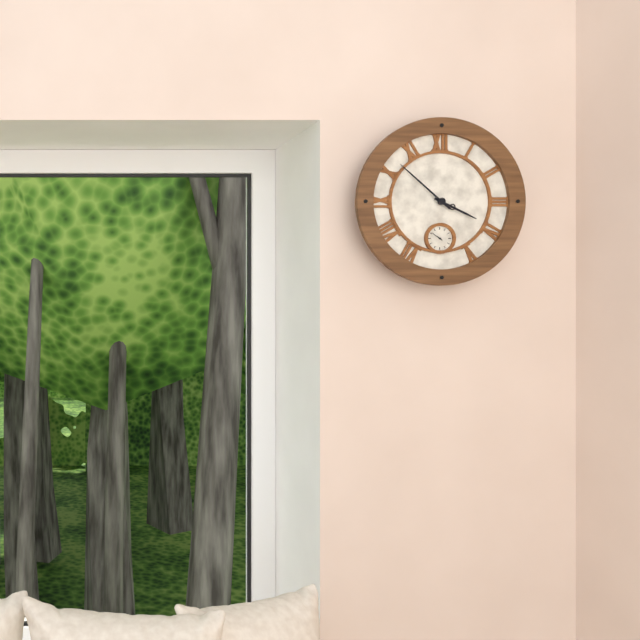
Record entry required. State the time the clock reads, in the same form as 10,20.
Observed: 3,52
